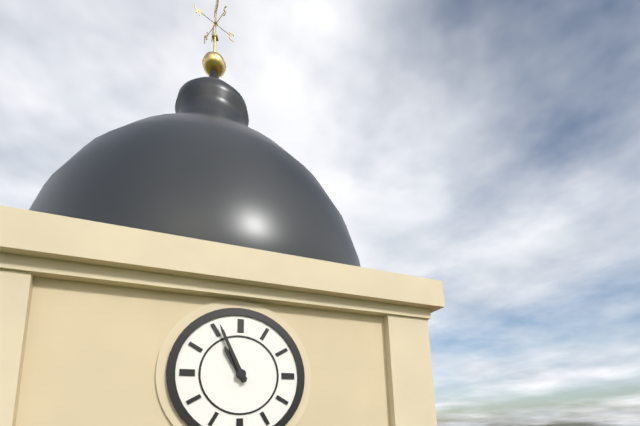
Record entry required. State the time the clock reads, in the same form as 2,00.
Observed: 10,56
